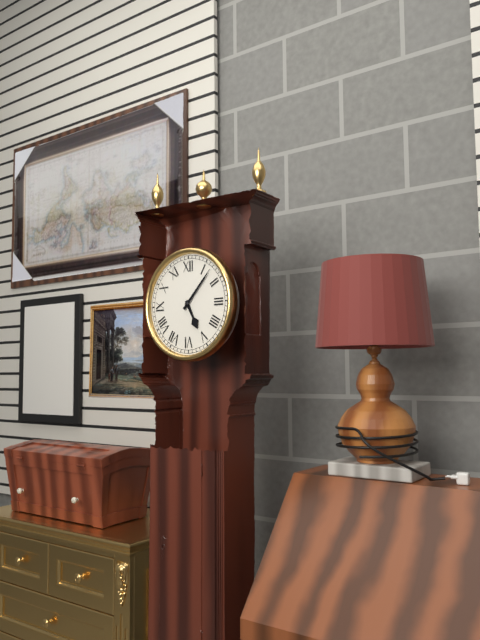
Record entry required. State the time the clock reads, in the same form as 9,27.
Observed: 5,07
